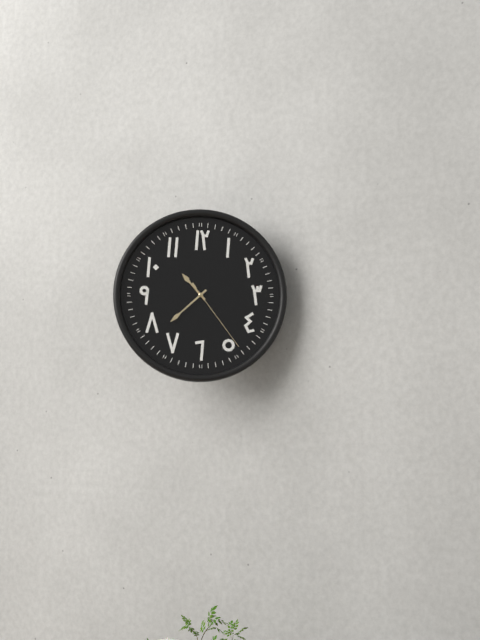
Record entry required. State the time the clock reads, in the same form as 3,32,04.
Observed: 10,38,24
